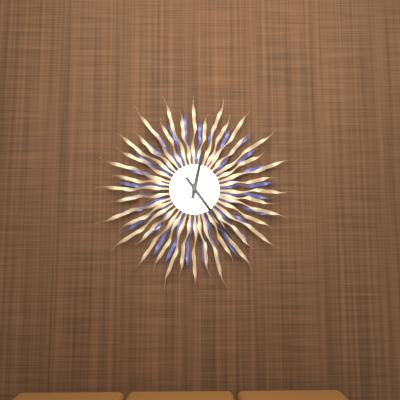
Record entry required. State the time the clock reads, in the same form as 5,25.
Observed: 12,24
